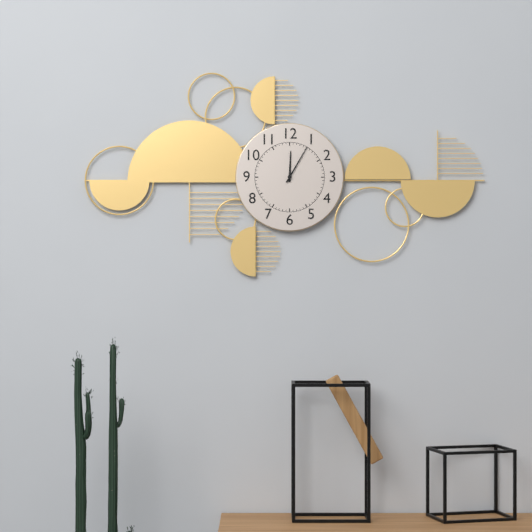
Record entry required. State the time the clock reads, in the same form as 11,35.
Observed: 12,05
